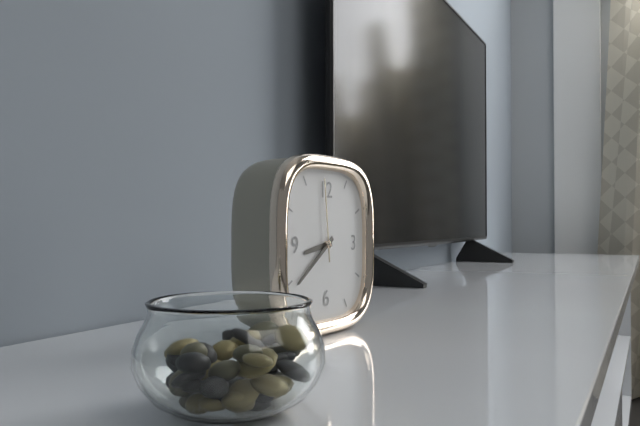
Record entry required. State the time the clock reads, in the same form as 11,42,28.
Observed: 8,39,59
